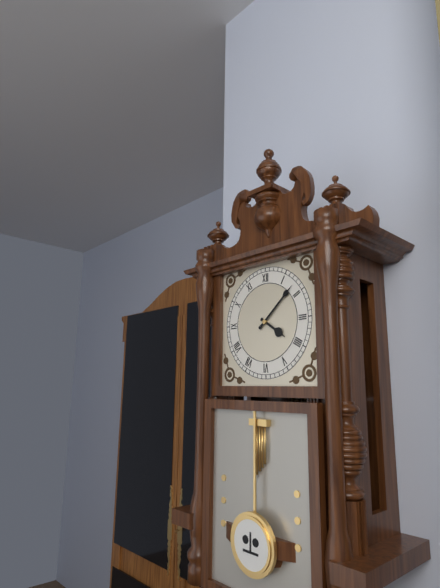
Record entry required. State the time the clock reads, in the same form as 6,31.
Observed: 4,08
